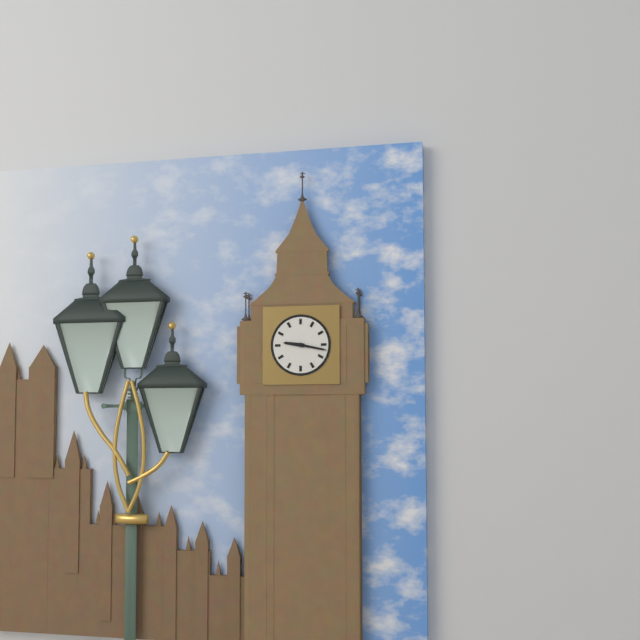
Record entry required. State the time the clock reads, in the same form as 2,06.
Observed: 9,17
